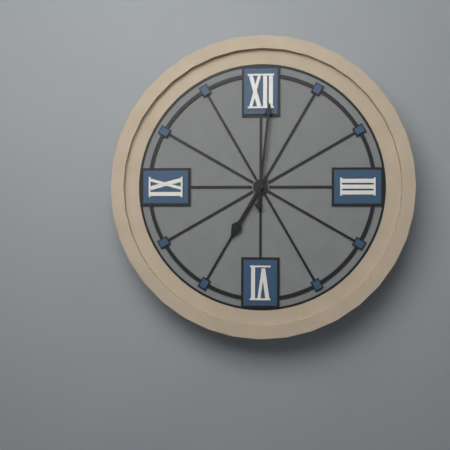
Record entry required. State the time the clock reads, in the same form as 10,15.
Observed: 7,01
